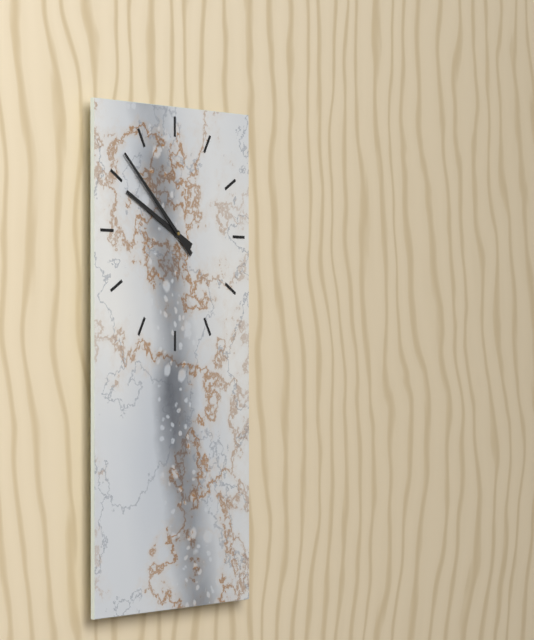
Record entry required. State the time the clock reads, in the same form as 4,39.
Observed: 9,52
